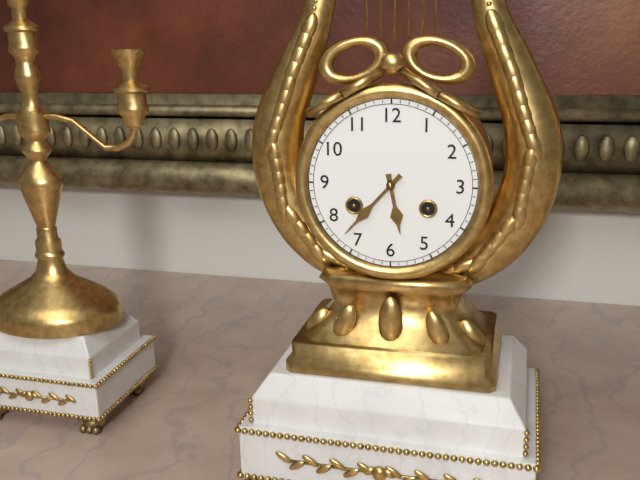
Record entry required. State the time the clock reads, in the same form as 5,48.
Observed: 5,37
